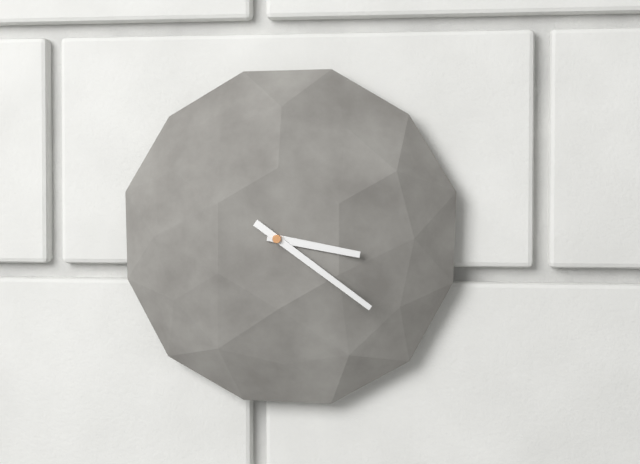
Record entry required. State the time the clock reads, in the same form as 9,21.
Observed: 3,21
